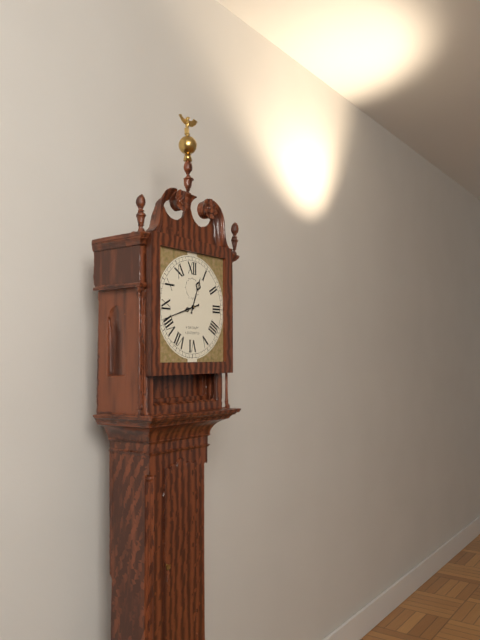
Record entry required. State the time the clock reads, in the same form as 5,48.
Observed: 12,42
